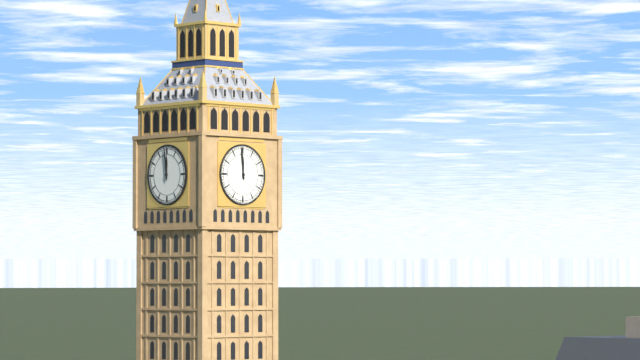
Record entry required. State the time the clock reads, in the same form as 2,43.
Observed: 11,59
